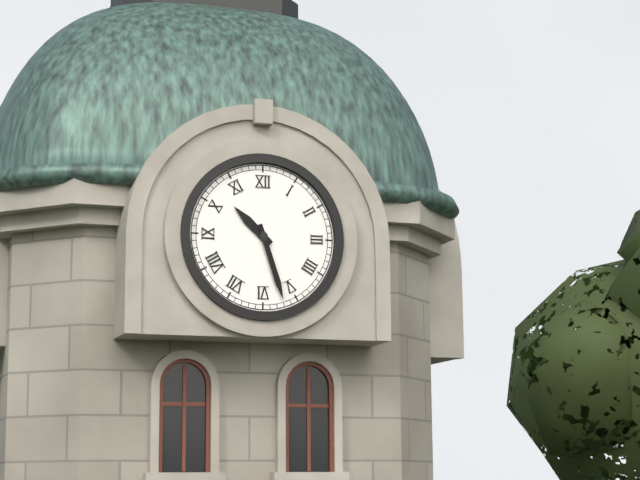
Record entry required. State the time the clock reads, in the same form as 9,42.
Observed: 10,27
